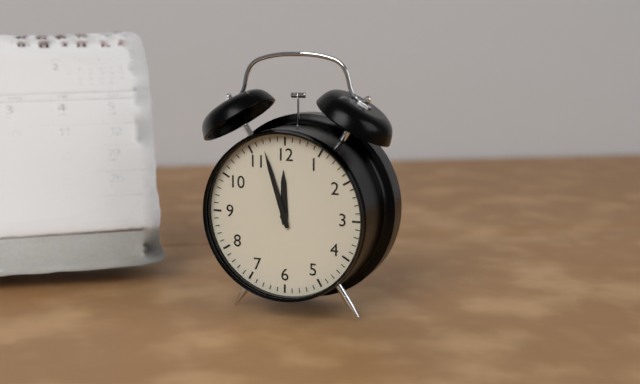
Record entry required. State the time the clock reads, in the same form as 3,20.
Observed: 11,57
